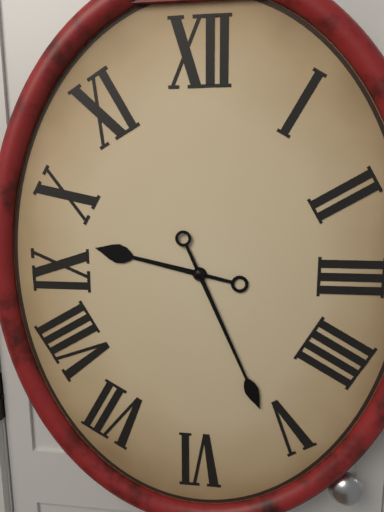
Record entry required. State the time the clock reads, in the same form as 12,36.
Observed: 9,26
